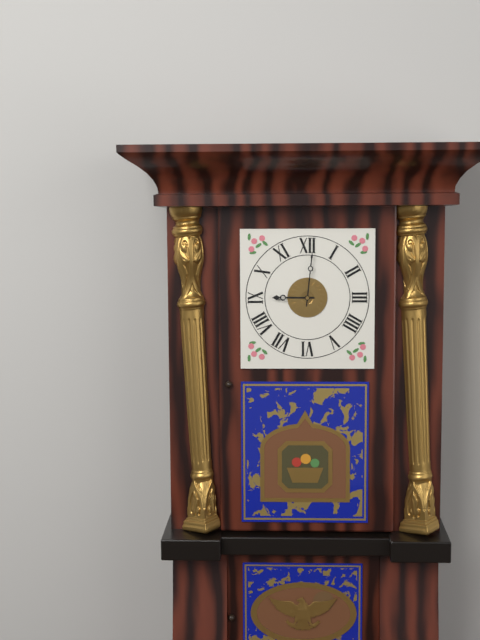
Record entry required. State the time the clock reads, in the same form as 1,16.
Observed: 9,01
